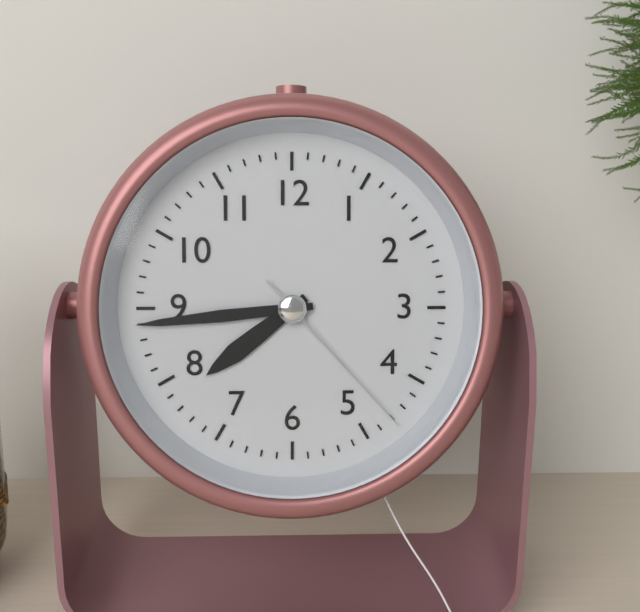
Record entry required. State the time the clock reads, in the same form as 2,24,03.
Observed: 7,44,23
